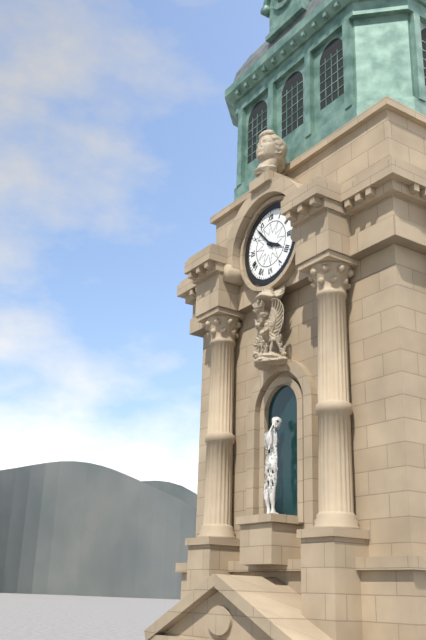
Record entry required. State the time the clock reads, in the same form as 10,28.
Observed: 3,53
